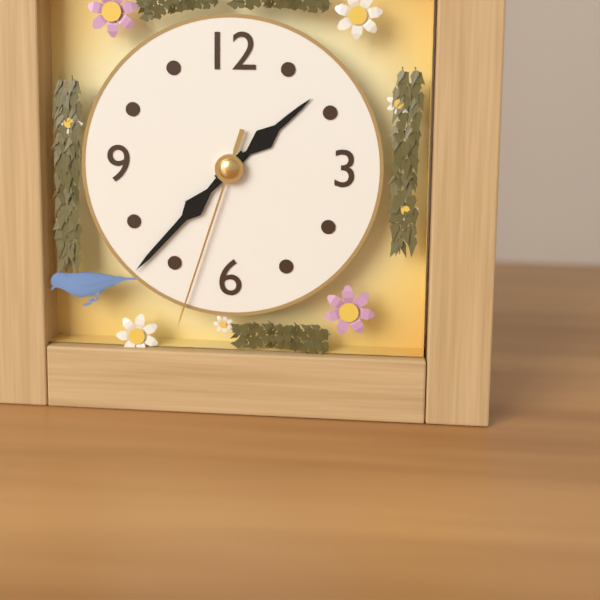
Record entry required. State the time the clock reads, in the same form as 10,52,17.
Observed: 1,37,33
